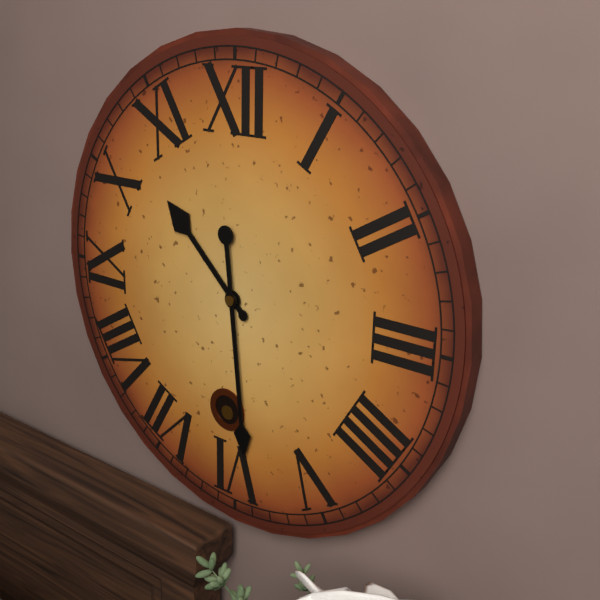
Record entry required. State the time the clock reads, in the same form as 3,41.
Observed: 10,29
